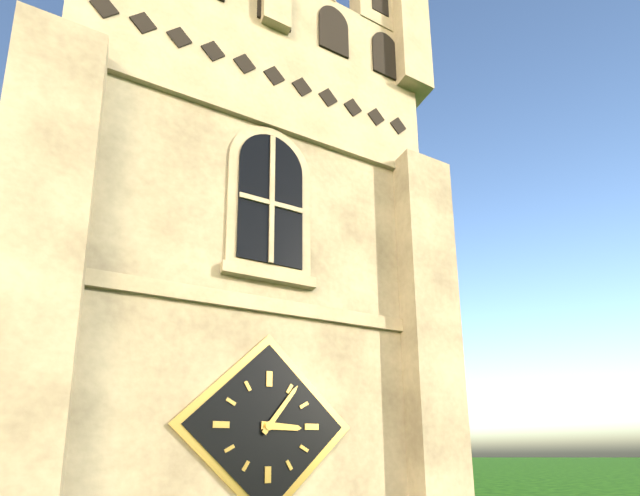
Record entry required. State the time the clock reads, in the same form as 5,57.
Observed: 3,06
